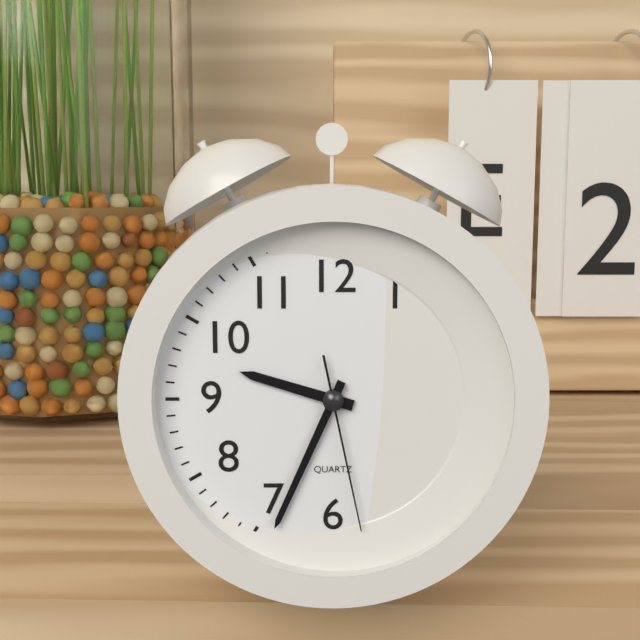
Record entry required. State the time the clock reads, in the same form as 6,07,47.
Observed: 9,34,28
